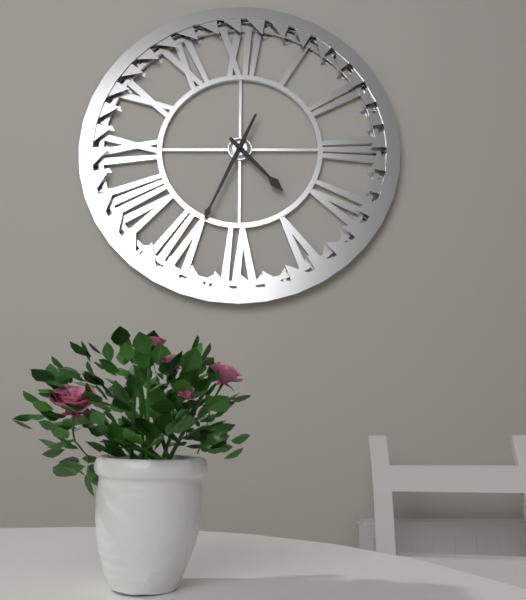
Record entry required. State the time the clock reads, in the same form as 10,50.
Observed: 4,34
